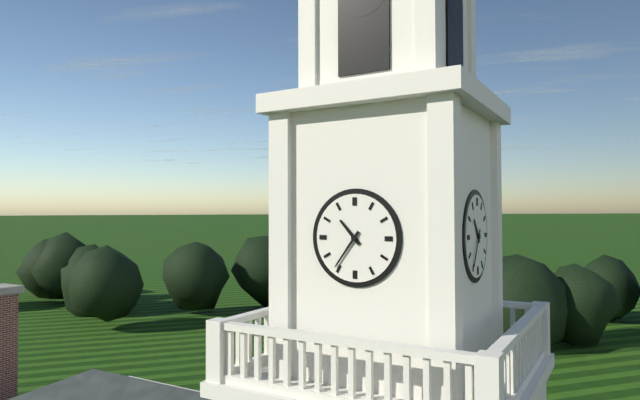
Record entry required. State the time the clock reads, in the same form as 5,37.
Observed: 10,36
